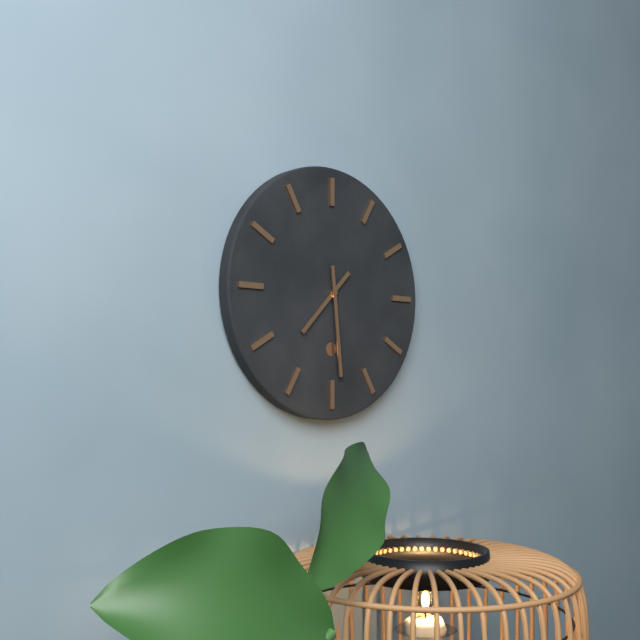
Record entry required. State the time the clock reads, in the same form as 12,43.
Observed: 7,29
